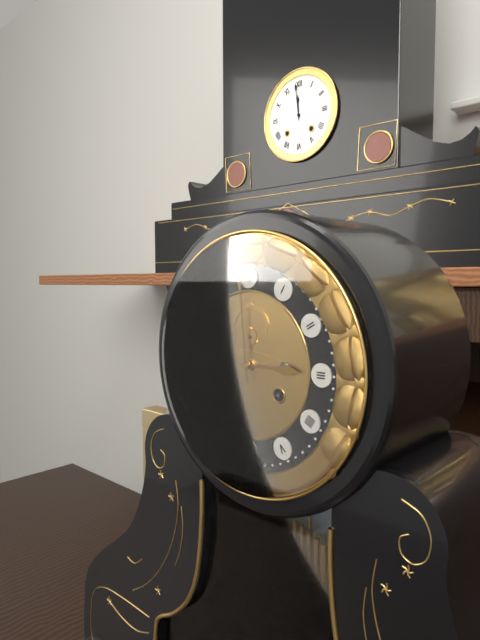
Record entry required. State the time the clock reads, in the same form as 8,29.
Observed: 2,59
